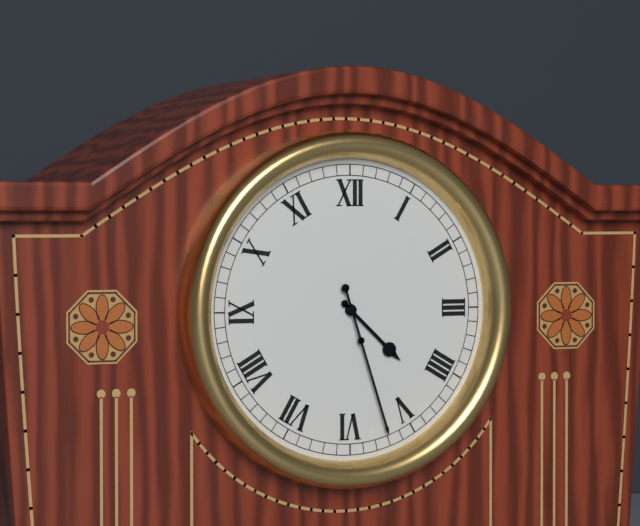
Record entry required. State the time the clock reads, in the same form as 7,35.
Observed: 4,27
